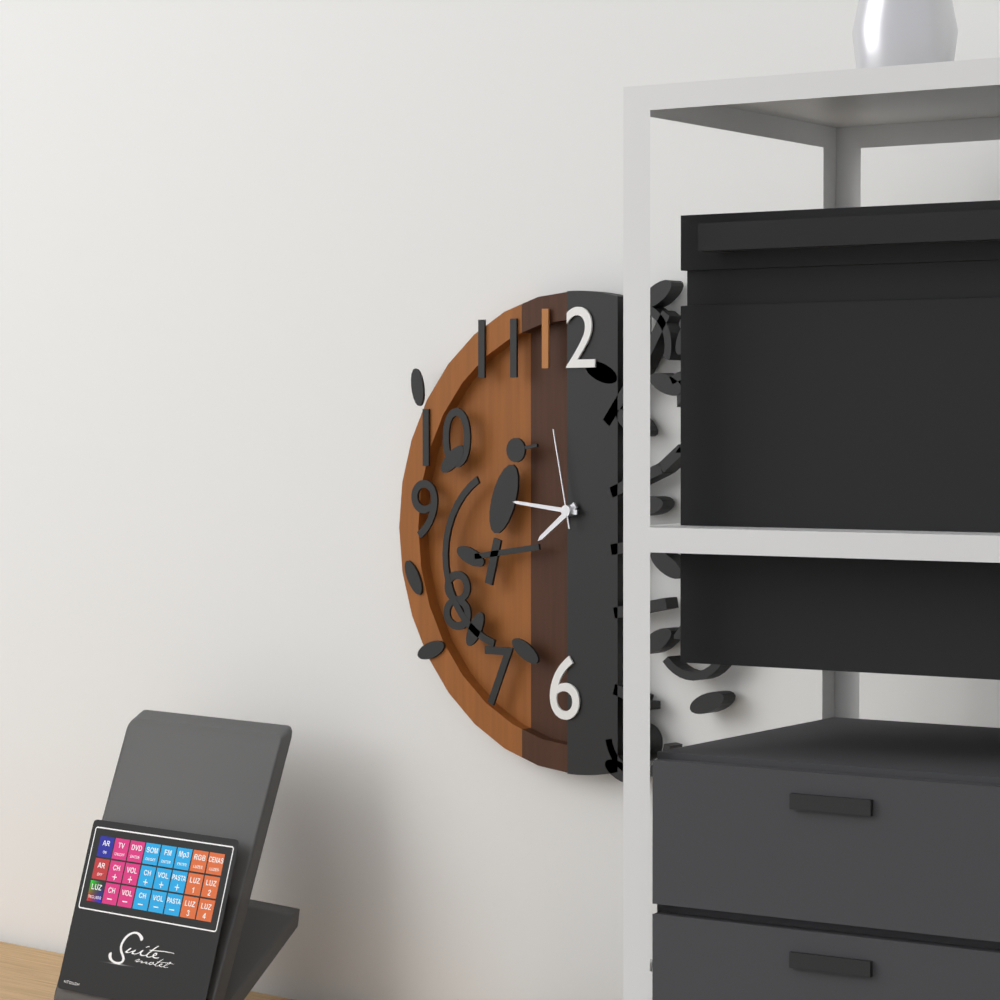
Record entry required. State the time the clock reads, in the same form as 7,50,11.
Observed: 7,46,58
